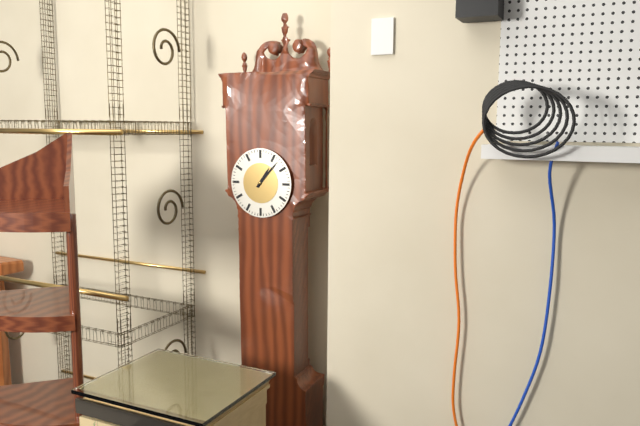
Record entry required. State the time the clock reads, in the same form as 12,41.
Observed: 1,07
